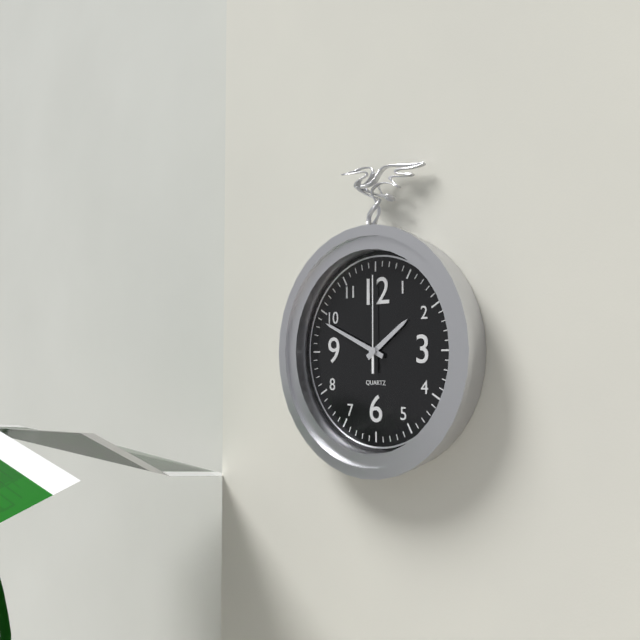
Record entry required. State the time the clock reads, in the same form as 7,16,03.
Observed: 1,49,00
